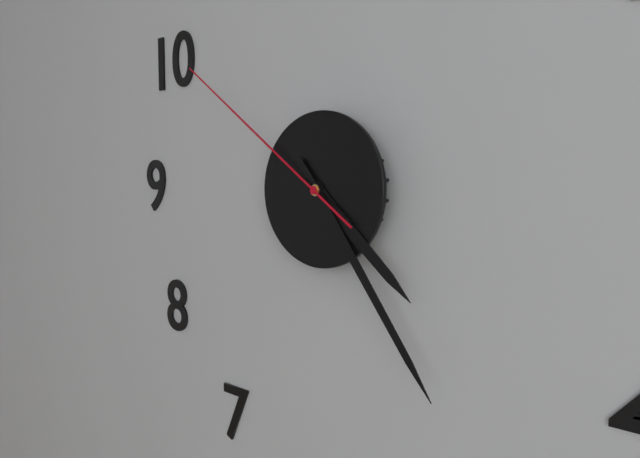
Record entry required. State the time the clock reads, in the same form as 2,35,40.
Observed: 4,24,51
